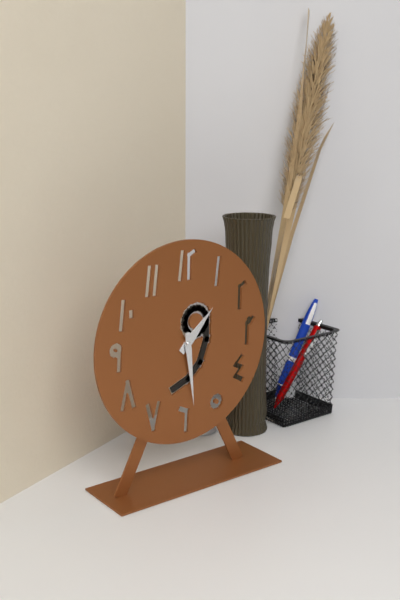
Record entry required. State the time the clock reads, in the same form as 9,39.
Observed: 1,29
